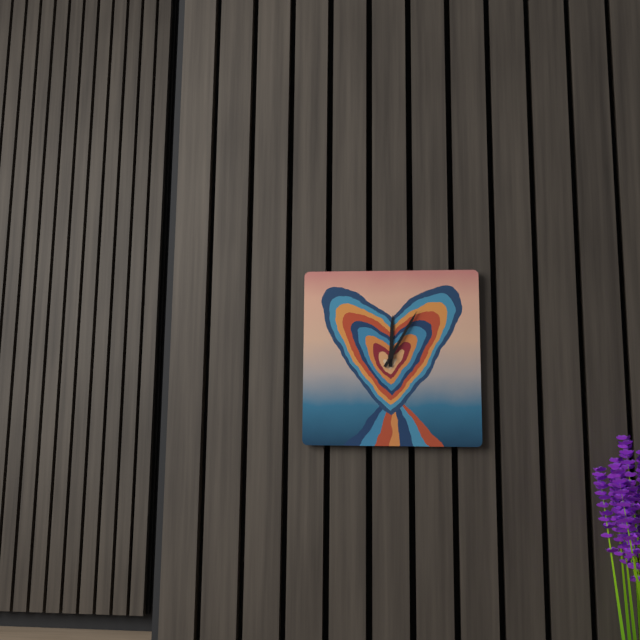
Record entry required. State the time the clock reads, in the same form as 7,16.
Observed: 12,05
